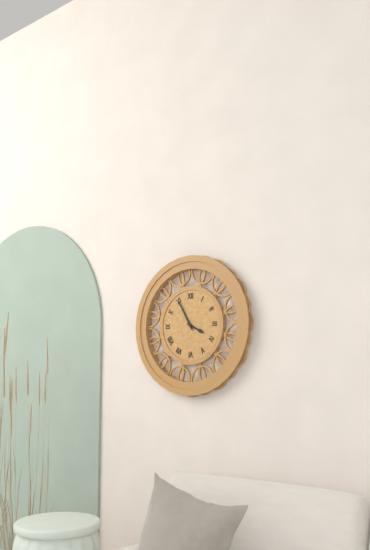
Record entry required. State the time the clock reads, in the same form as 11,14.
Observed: 3,55
